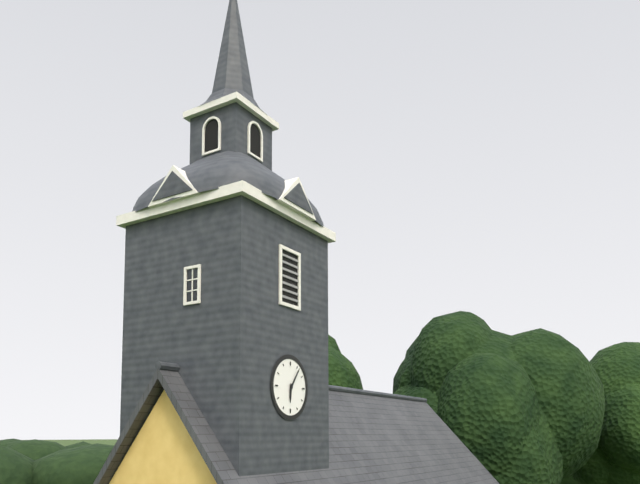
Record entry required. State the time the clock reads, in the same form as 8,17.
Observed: 6,06
